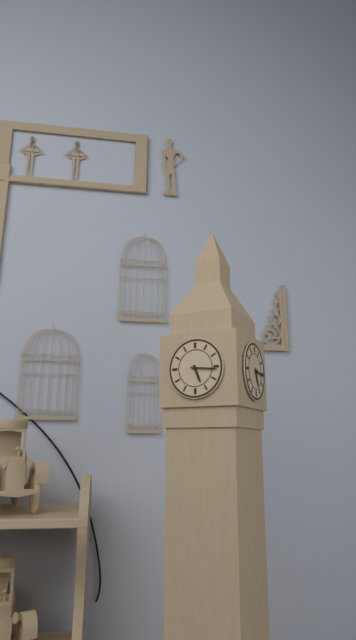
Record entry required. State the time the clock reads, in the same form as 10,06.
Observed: 5,16
